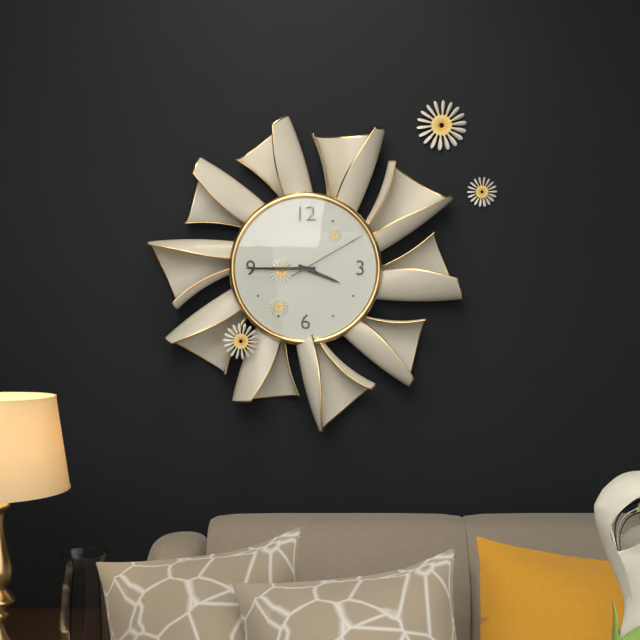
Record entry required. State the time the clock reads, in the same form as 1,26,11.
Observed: 3,45,10
